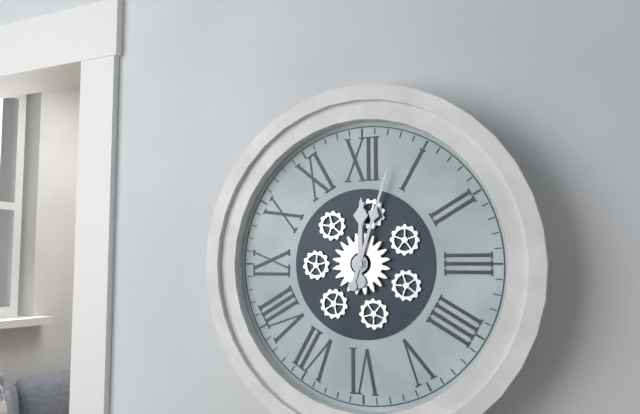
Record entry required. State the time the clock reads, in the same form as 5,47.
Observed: 12,03
